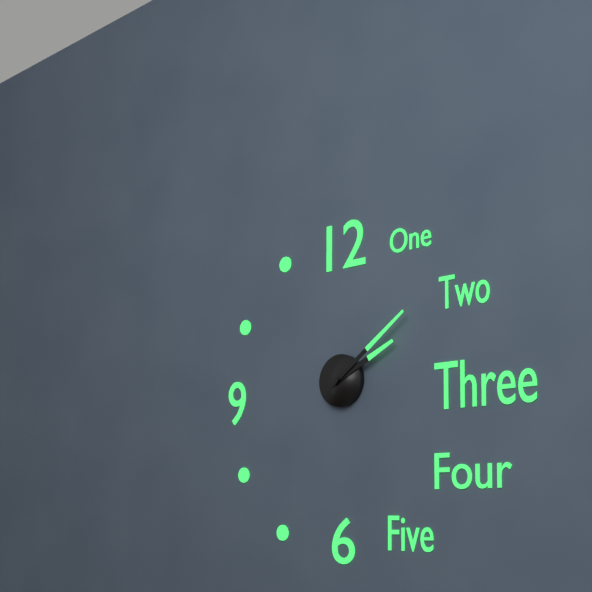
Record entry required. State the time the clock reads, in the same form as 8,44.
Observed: 2,09
